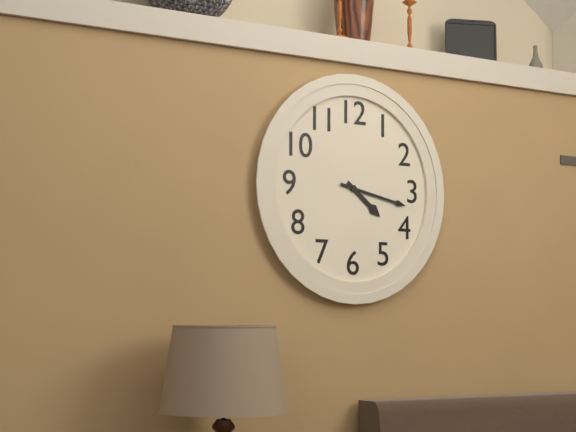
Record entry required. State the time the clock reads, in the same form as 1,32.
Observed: 4,17
